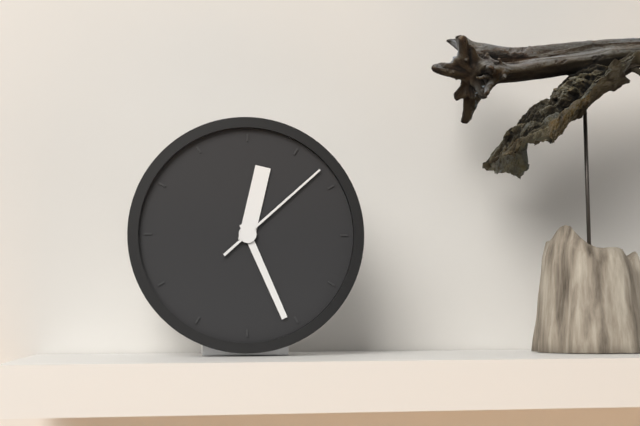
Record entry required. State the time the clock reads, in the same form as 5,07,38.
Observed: 12,26,08
